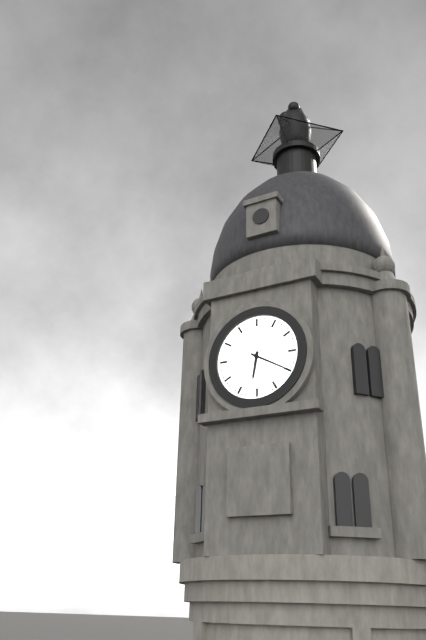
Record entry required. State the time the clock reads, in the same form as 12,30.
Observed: 6,20
